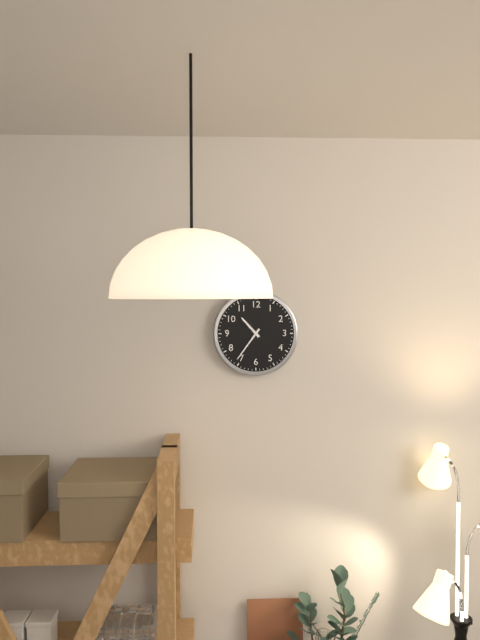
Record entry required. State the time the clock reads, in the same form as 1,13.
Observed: 10,36
